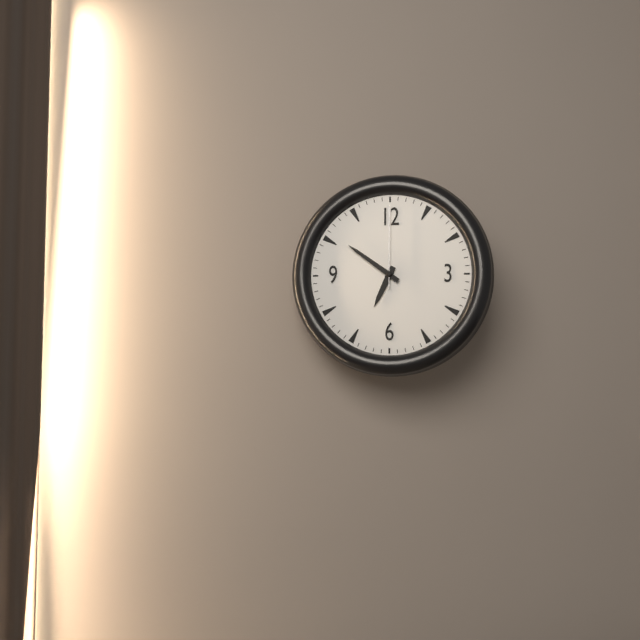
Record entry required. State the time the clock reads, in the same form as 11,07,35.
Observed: 6,51,00
